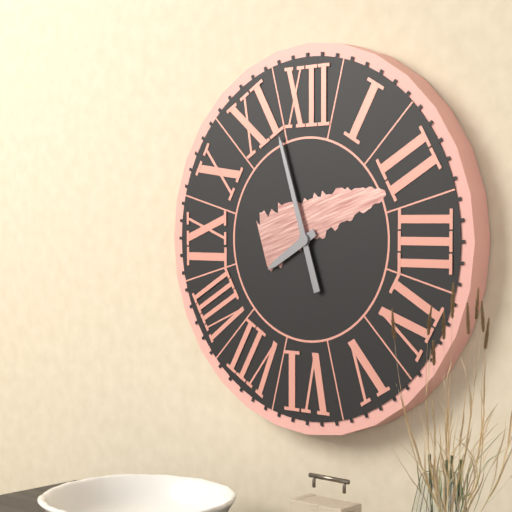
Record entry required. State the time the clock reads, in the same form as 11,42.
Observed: 7,57
